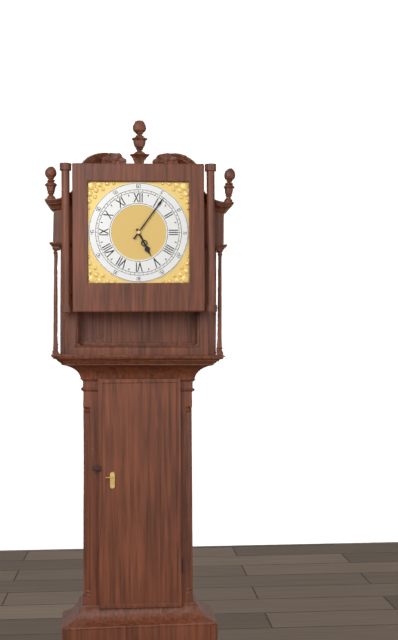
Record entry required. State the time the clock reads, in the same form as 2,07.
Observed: 5,06
